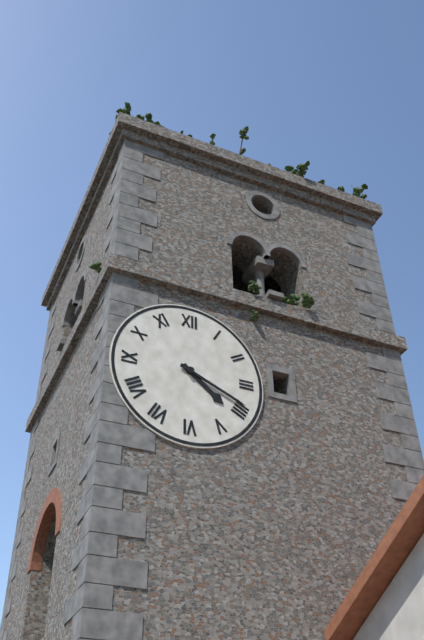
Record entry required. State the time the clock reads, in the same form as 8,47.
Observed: 4,19
